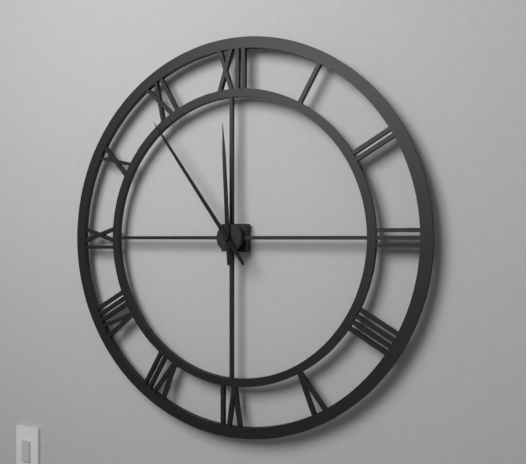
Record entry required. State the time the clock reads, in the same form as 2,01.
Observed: 11,54
